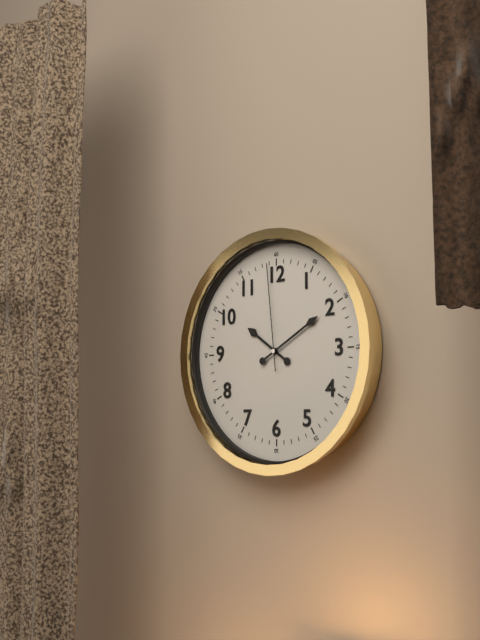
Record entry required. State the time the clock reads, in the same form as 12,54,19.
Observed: 10,10,59
